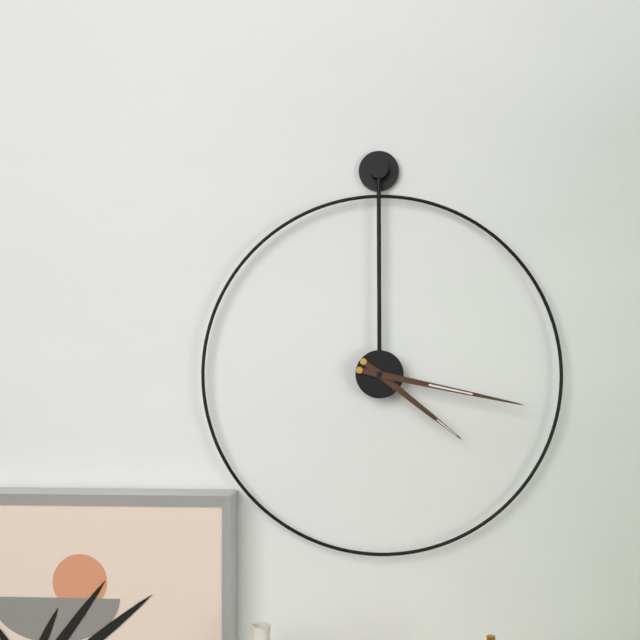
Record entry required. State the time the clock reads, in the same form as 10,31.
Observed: 4,17
